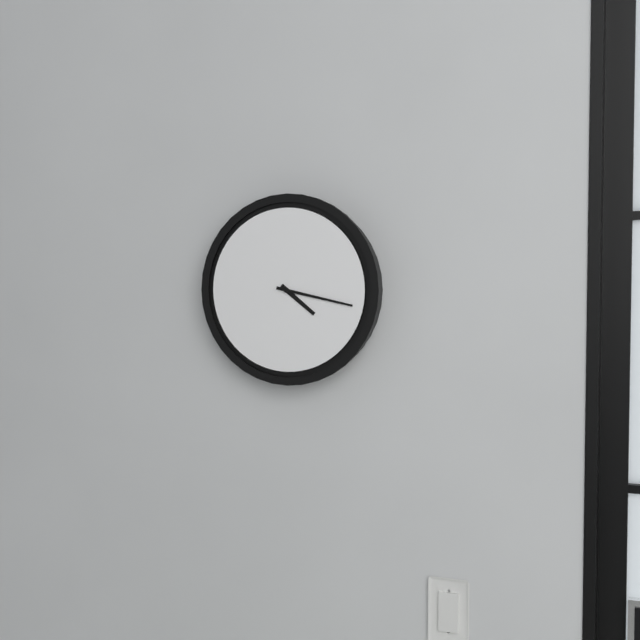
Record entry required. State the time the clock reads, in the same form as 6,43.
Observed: 4,17
